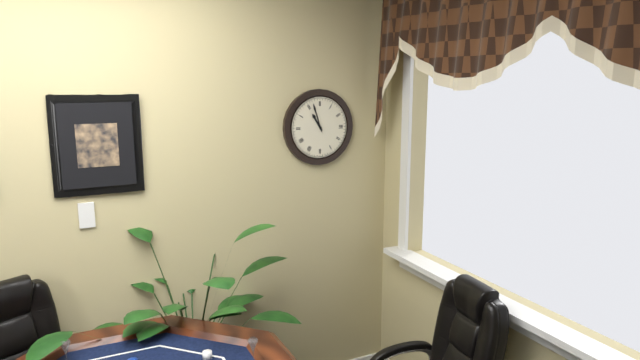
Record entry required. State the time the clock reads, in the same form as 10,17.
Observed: 10,57
